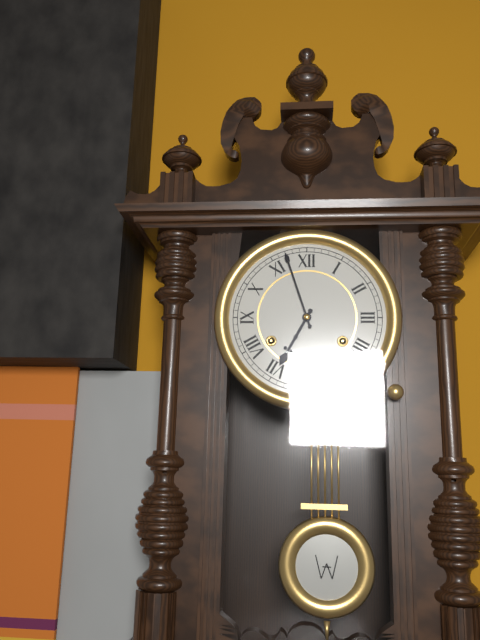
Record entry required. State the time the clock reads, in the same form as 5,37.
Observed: 6,57
